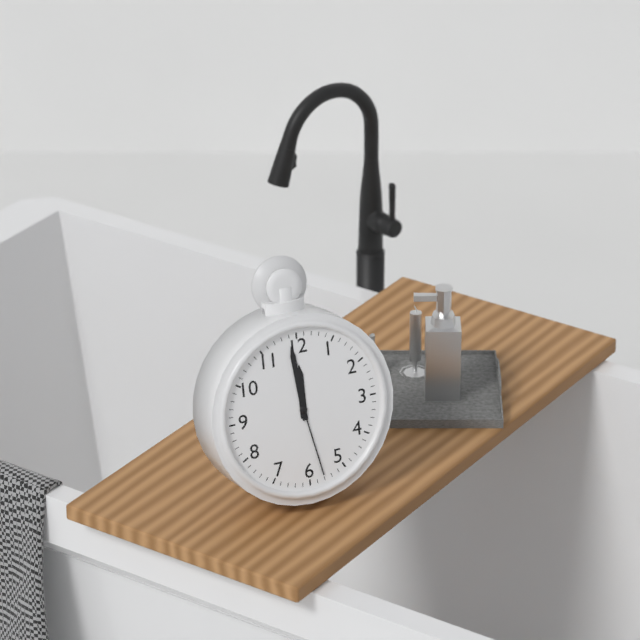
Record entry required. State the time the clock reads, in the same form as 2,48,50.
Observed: 11,59,28
